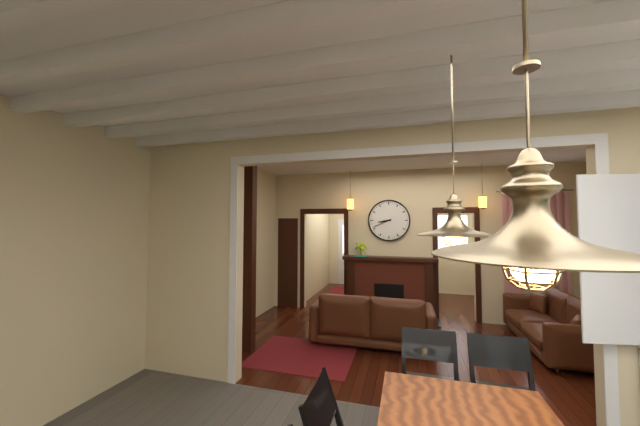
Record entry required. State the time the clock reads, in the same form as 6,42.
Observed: 8,41
